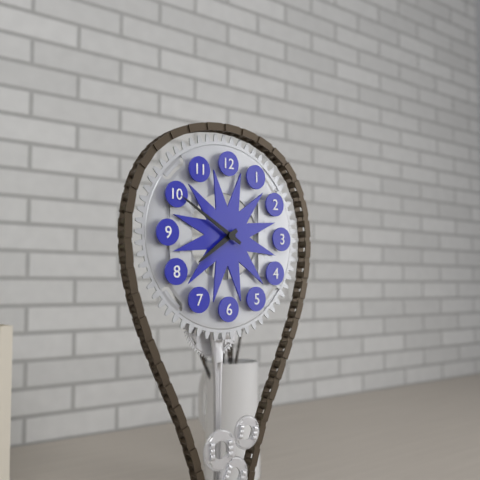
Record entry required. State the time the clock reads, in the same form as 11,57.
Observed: 7,50
